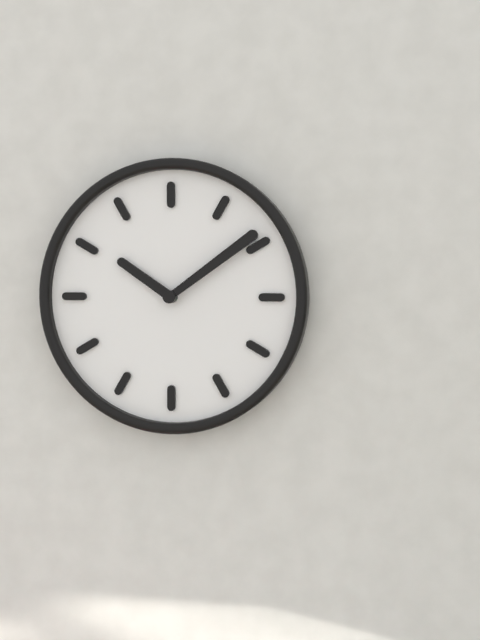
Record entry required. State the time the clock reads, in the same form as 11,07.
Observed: 10,09
